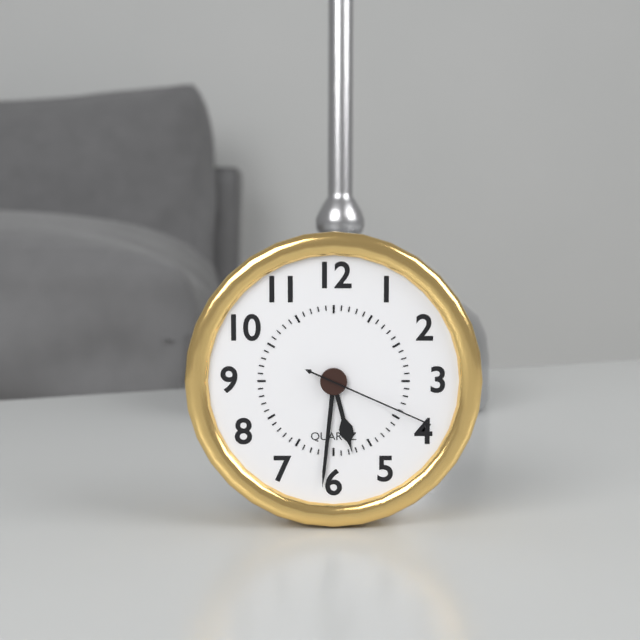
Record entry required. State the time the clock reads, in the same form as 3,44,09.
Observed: 5,31,19
